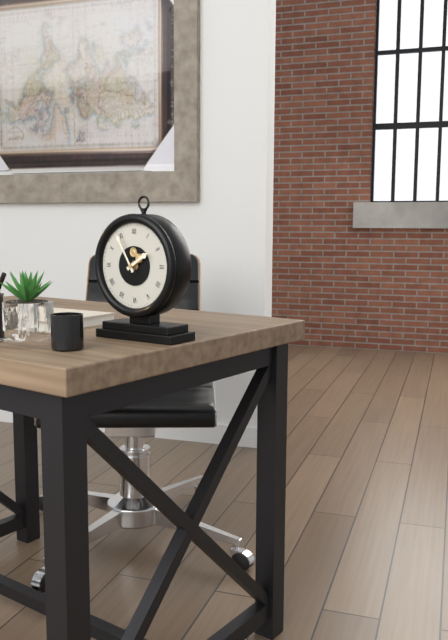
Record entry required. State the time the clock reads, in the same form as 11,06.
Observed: 1,55
